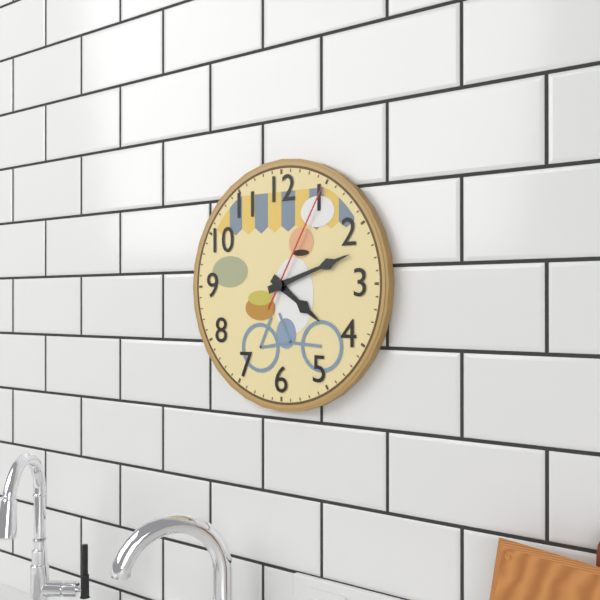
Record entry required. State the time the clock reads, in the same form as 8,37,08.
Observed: 4,12,05
